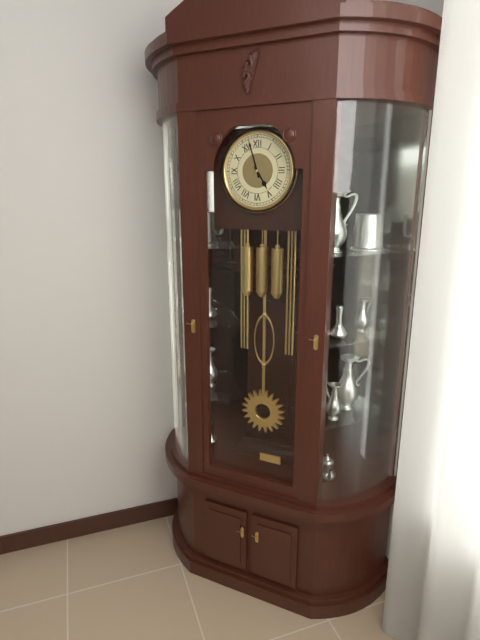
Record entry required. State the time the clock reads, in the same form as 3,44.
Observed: 4,57
